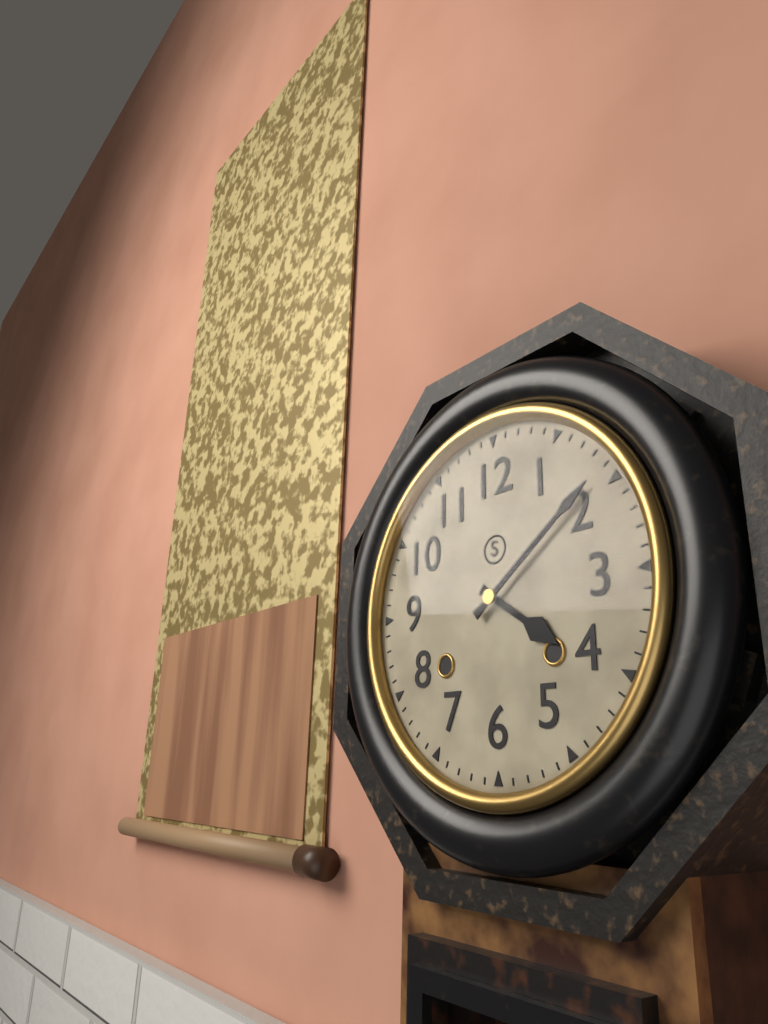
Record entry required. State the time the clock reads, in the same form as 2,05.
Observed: 4,09
